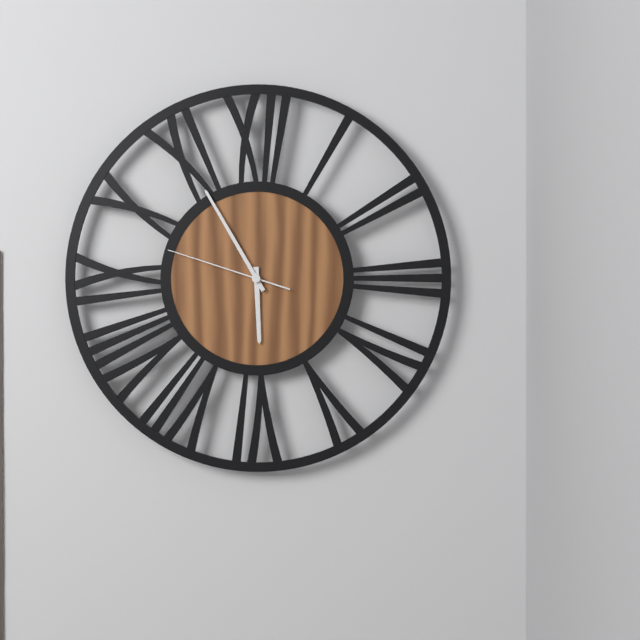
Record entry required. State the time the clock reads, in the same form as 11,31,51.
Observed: 5,55,48
